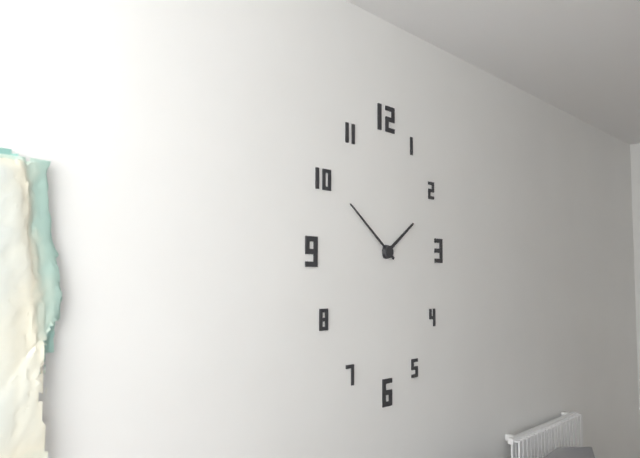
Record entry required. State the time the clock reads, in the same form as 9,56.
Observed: 1,51
